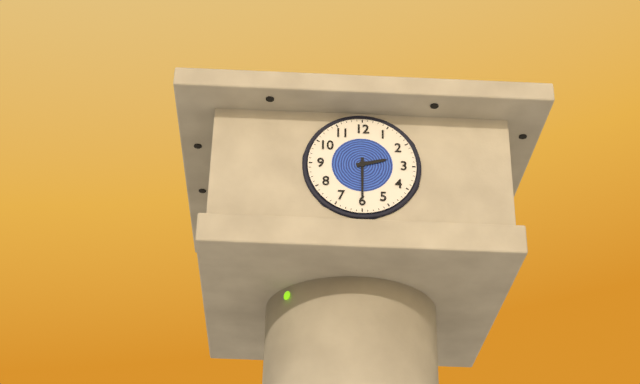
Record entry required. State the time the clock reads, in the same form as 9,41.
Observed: 2,30
